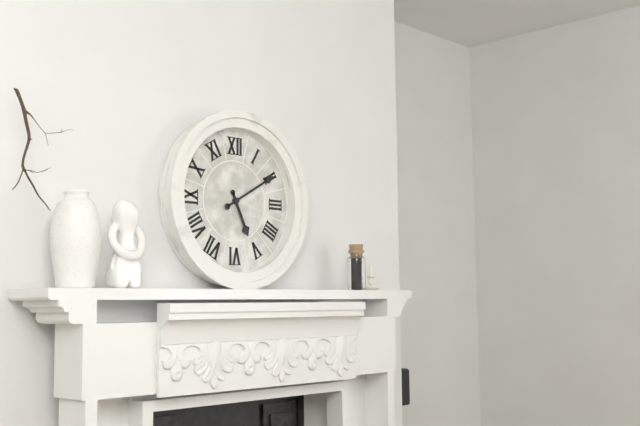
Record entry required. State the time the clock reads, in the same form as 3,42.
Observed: 5,10
